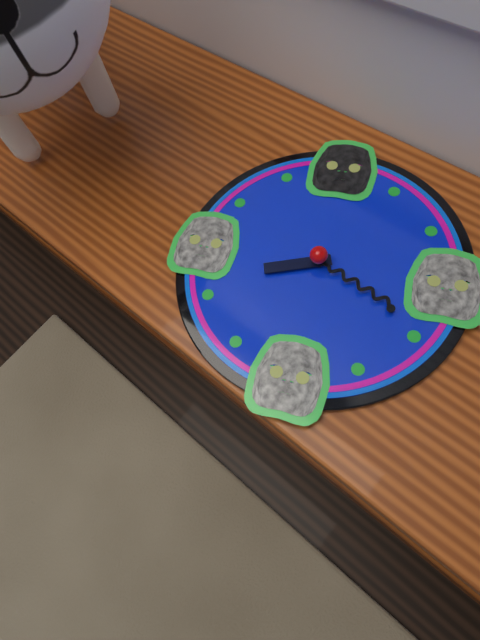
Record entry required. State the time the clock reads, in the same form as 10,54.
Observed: 8,19
